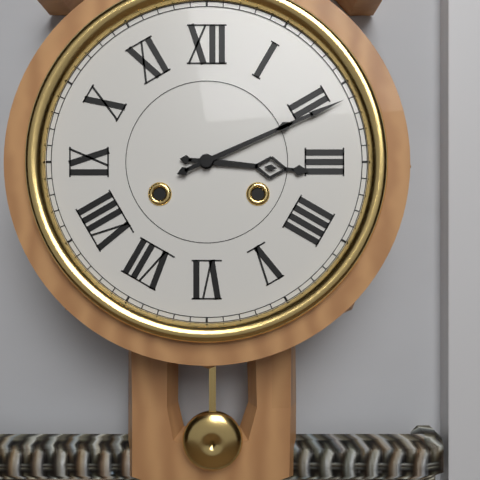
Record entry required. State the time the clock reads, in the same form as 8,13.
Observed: 3,11
